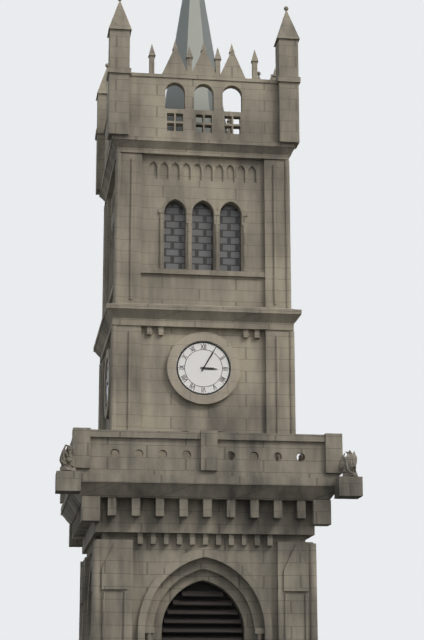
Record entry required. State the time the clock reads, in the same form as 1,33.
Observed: 3,05
